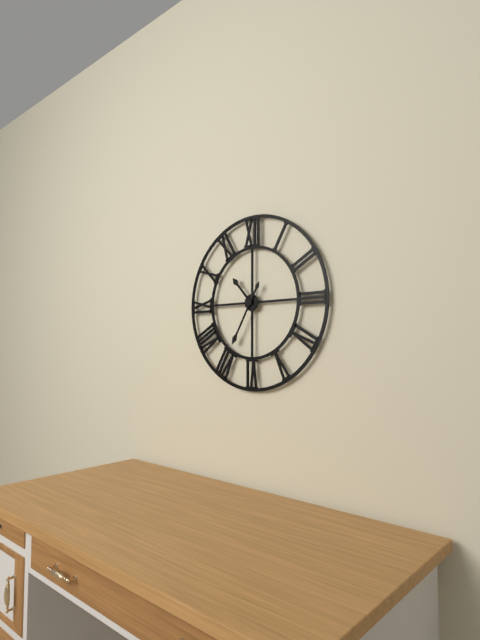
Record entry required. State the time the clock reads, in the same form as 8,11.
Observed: 10,35
